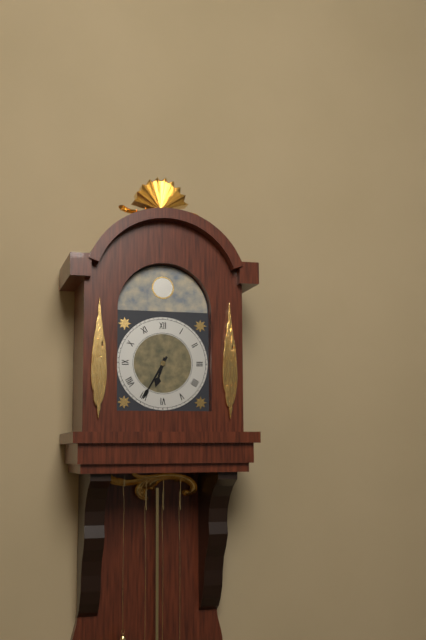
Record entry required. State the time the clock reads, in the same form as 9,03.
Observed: 6,35
